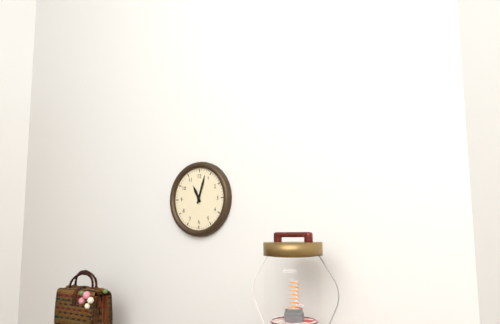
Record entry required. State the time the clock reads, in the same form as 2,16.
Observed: 11,03
